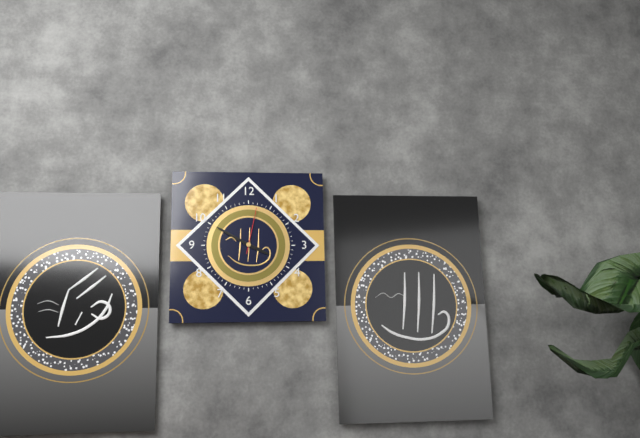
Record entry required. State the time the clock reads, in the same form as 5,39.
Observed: 3,50
